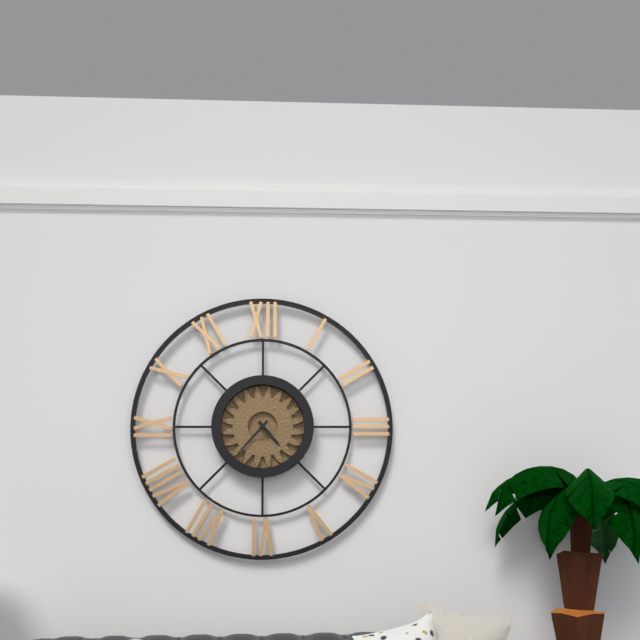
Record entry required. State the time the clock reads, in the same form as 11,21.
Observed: 4,37
